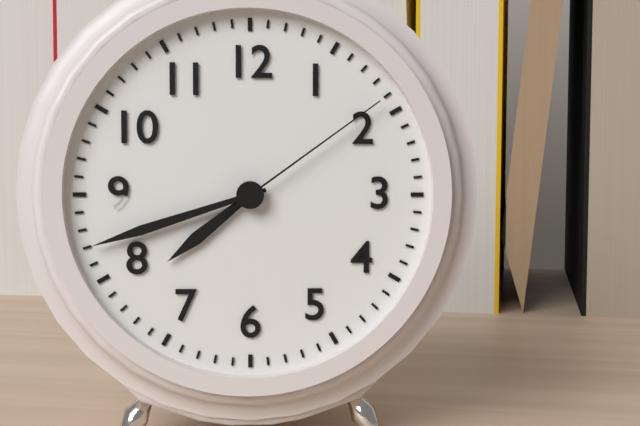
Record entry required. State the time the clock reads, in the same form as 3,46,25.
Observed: 7,42,09
